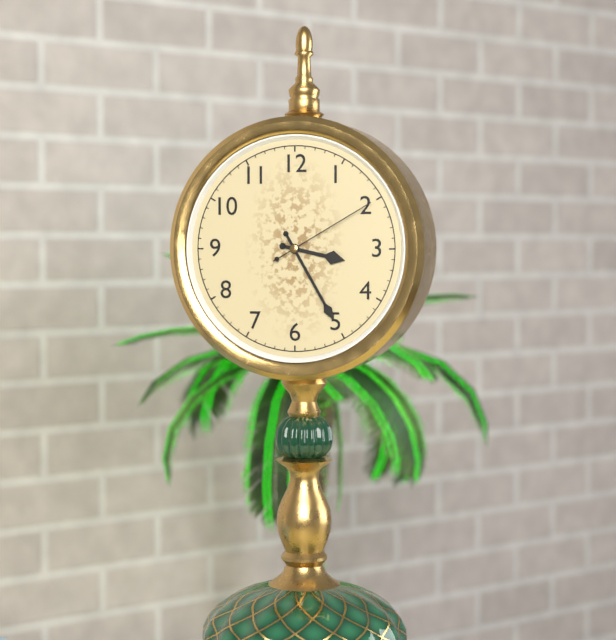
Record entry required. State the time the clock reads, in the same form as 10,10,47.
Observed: 3,25,10
